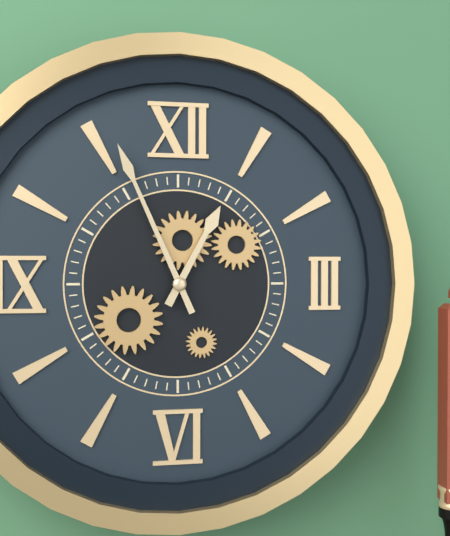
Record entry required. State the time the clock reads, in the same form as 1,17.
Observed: 12,56
